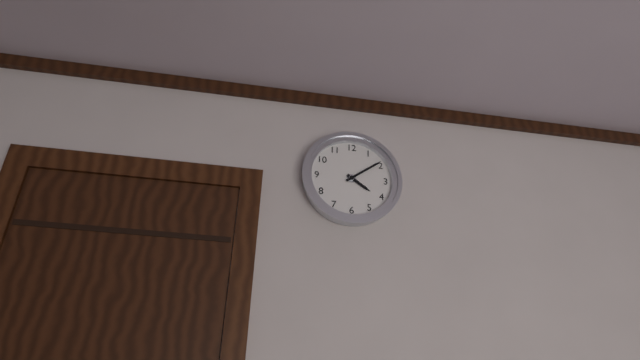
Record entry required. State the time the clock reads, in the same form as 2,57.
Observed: 4,09
